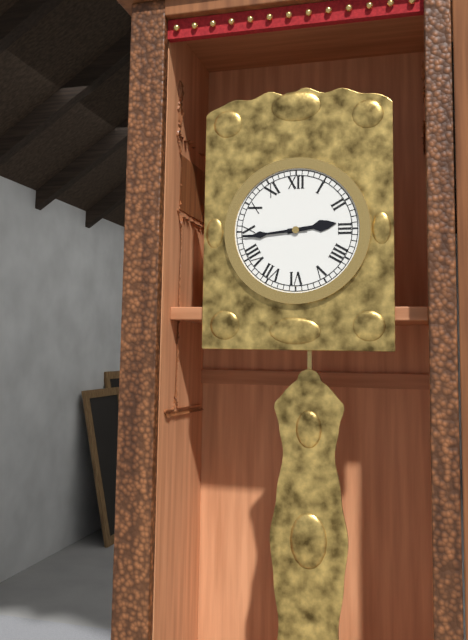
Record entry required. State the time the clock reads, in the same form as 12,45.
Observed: 2,44
